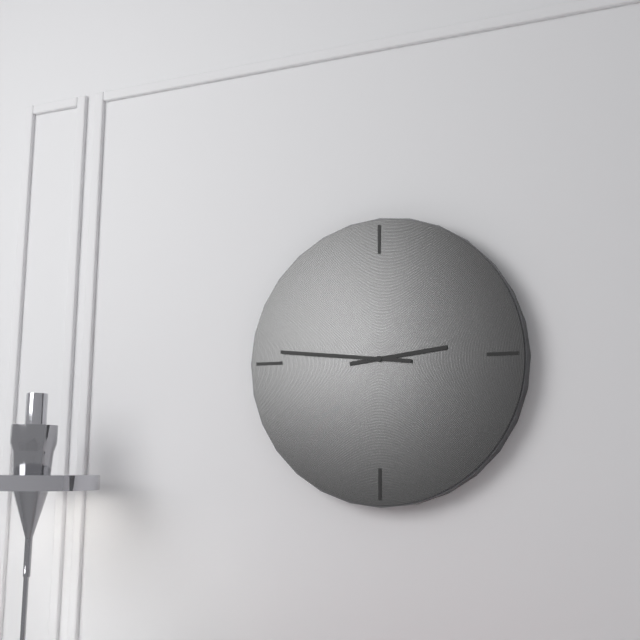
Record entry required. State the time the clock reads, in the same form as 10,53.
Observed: 2,46
